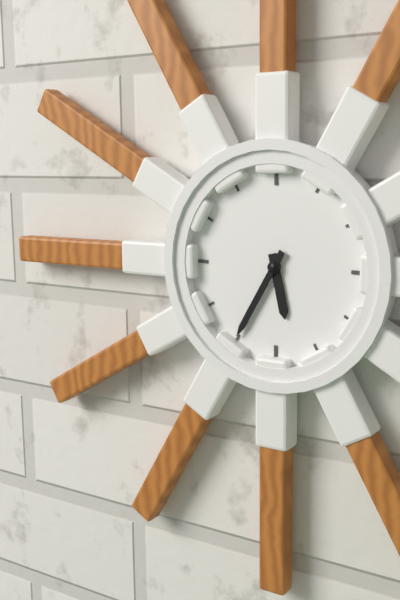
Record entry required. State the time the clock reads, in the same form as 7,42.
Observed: 5,35
